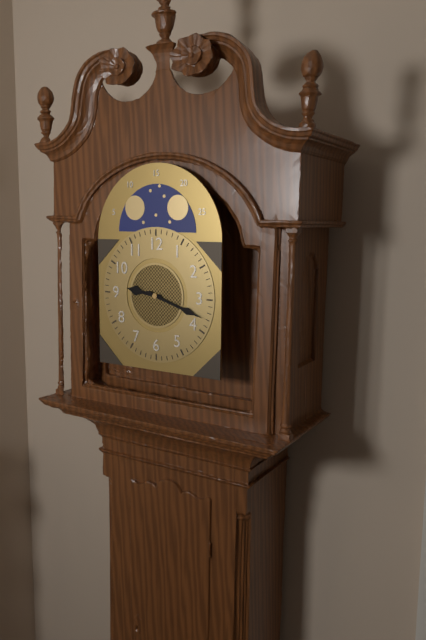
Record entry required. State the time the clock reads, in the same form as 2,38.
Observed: 9,18
